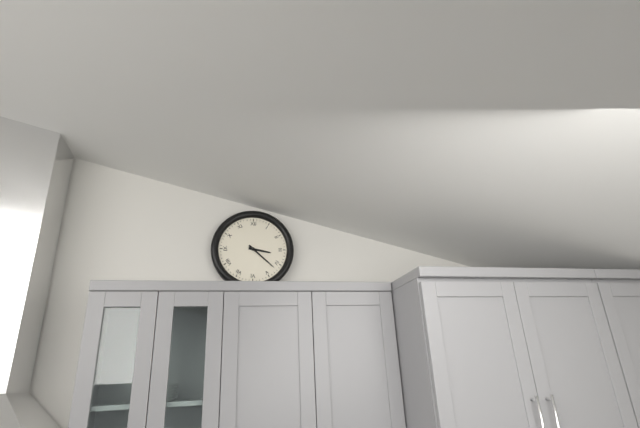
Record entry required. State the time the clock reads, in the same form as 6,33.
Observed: 3,22
